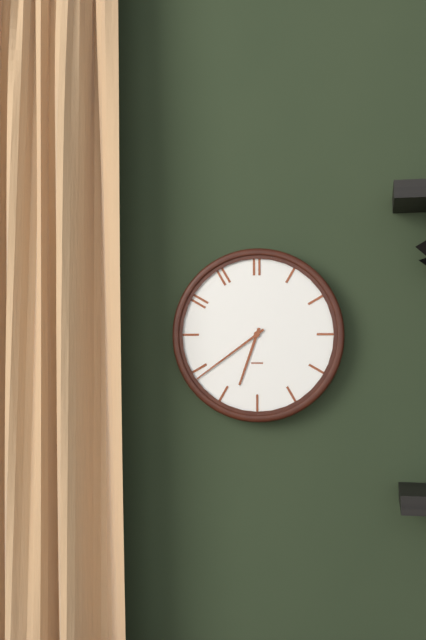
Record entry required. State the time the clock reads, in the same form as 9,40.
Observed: 6,39
